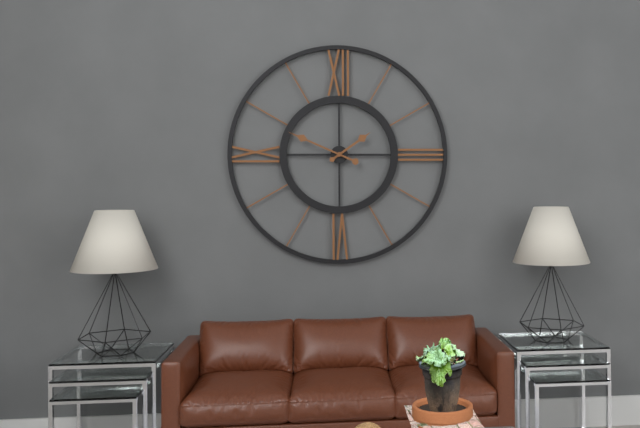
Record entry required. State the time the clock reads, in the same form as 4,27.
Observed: 1,49
